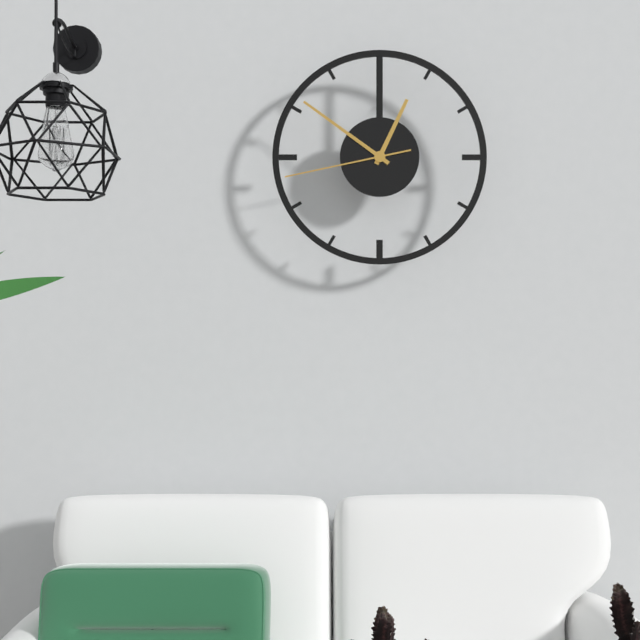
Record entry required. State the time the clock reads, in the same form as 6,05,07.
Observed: 12,51,43
